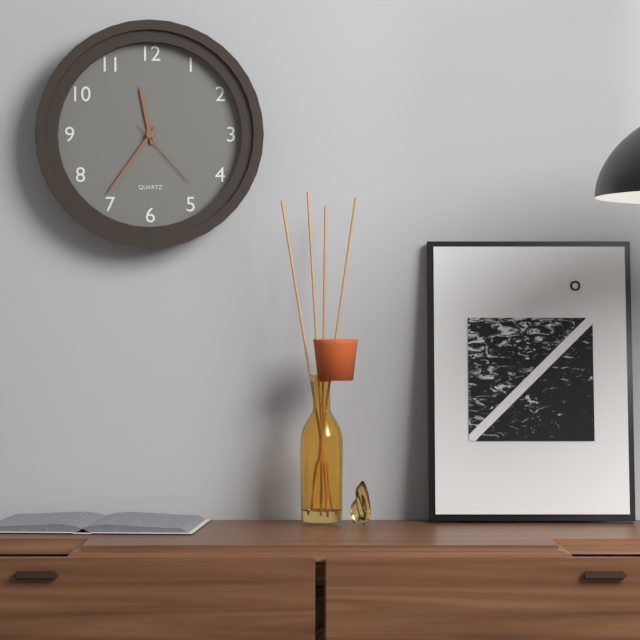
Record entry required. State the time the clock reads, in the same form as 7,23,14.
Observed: 11,36,23
